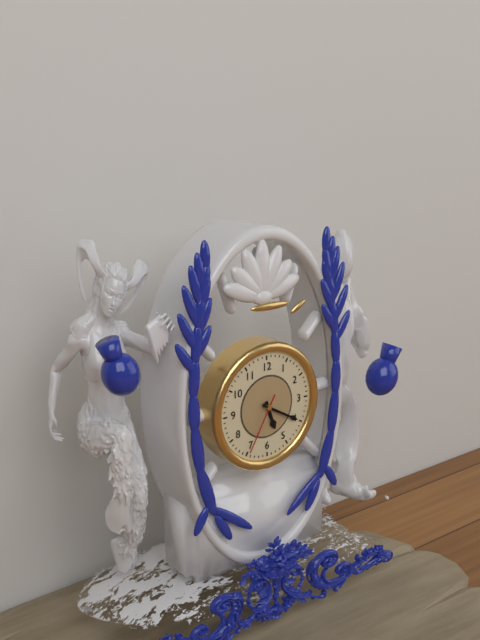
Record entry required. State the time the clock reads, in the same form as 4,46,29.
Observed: 5,20,35
